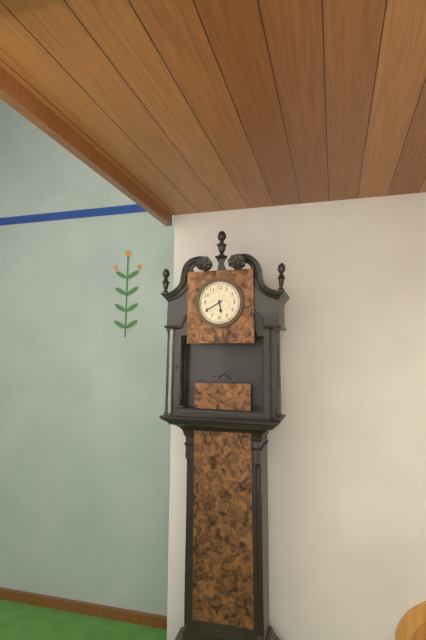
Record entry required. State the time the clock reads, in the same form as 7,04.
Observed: 5,40
